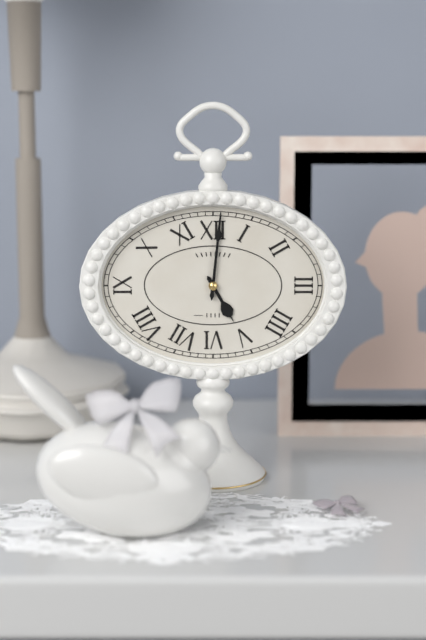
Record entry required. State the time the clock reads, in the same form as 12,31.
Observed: 5,01
